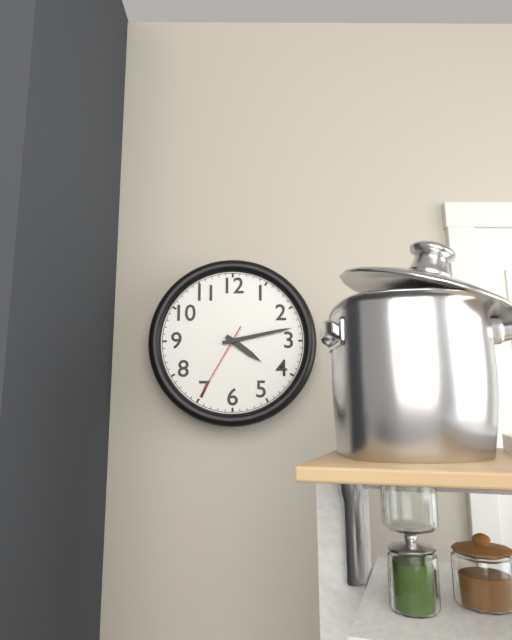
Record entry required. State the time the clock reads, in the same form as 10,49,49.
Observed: 4,13,35
